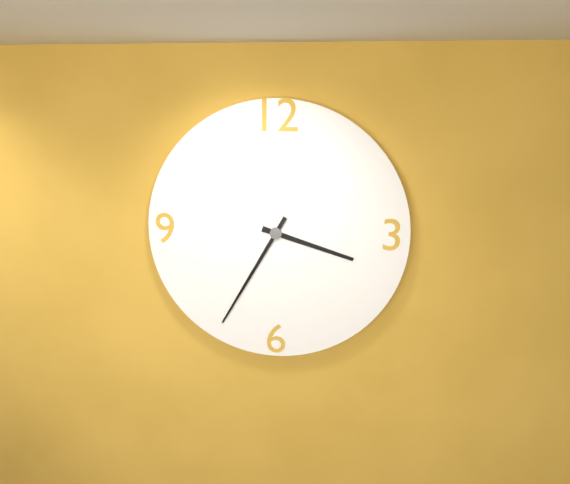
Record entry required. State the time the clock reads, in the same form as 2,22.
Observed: 3,35
